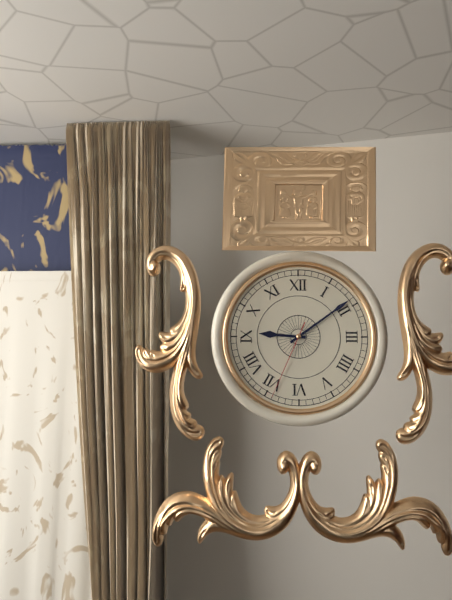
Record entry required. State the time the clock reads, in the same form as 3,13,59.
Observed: 9,09,34
